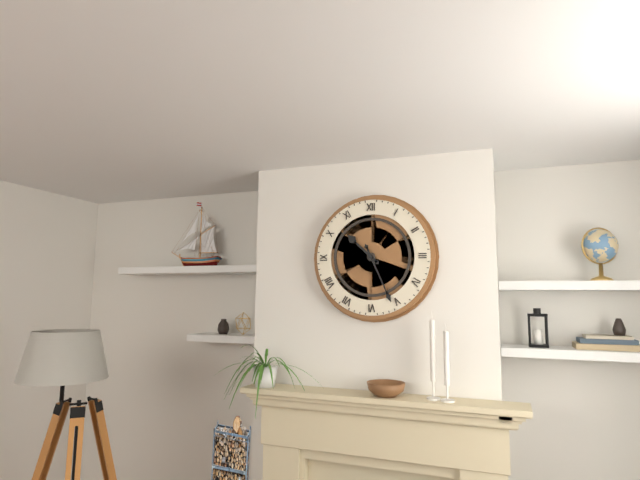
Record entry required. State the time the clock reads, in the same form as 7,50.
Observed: 10,26
